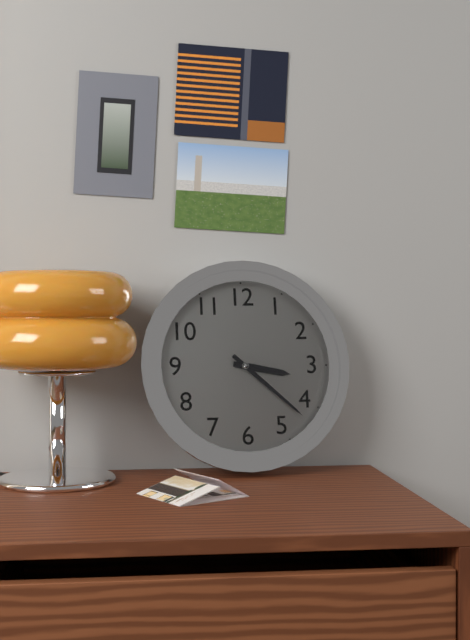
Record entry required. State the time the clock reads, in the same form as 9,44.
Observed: 3,22
